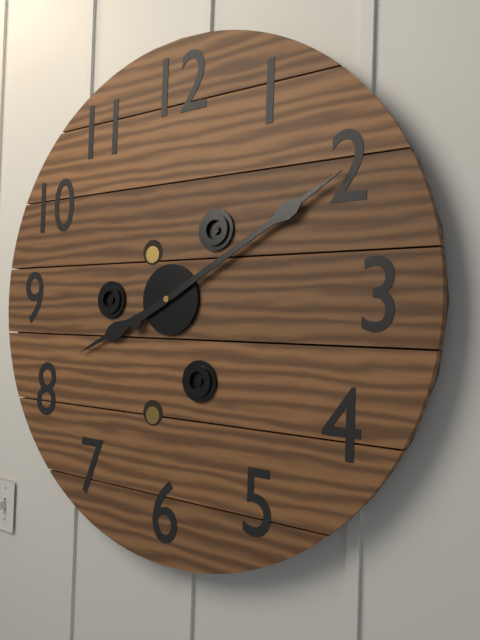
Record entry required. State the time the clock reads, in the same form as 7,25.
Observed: 8,10
